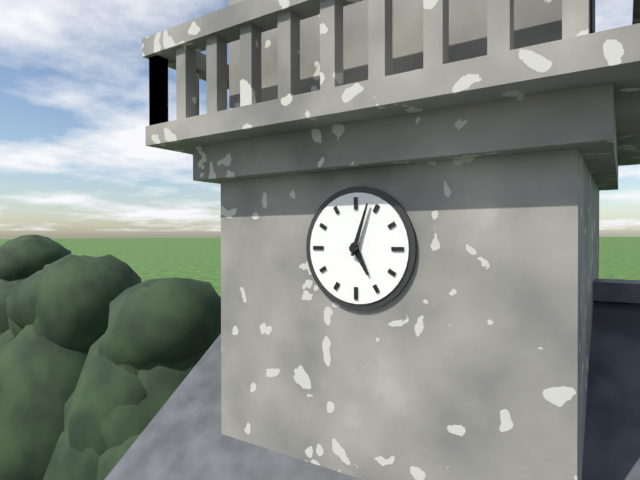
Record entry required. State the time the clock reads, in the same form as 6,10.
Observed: 5,03
